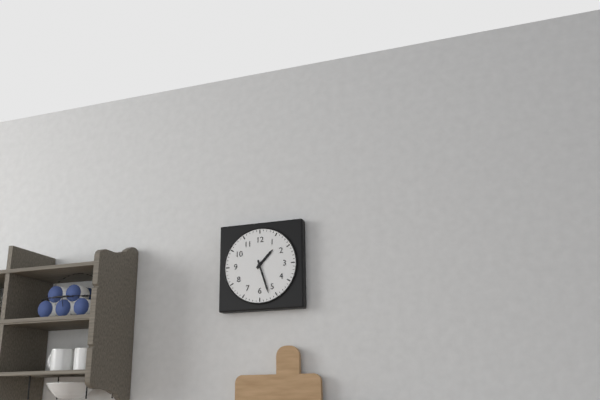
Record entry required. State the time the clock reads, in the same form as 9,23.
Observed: 1,27
